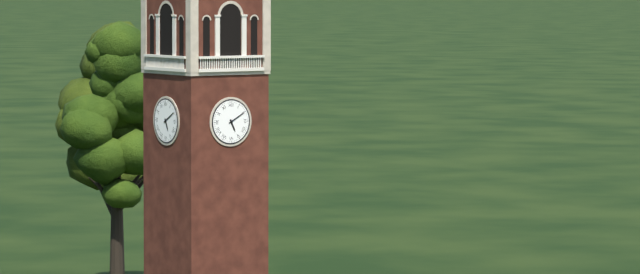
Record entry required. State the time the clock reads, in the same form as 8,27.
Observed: 5,10
